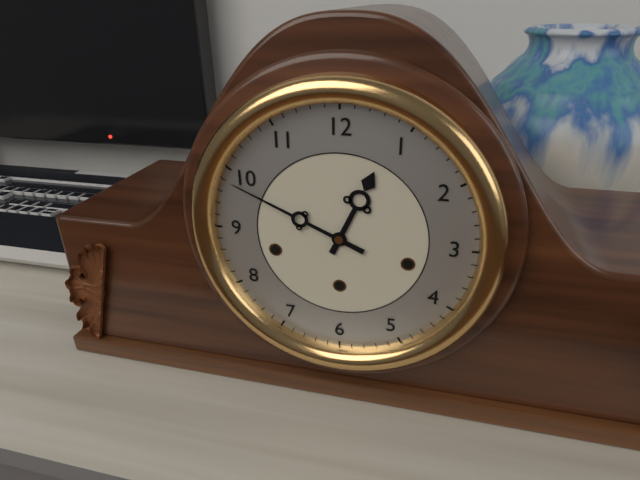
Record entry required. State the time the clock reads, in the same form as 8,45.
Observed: 12,49
